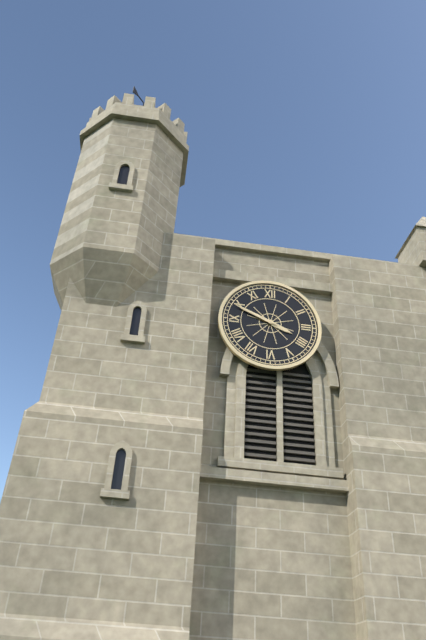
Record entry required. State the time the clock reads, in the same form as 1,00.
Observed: 3,49
